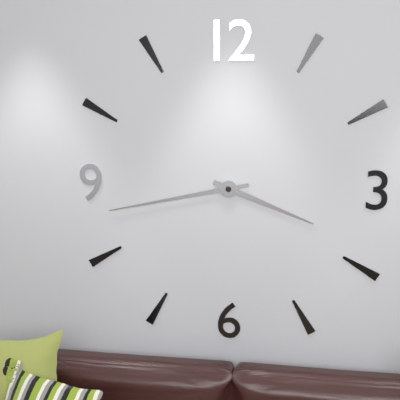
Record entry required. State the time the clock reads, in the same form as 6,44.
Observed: 3,43
